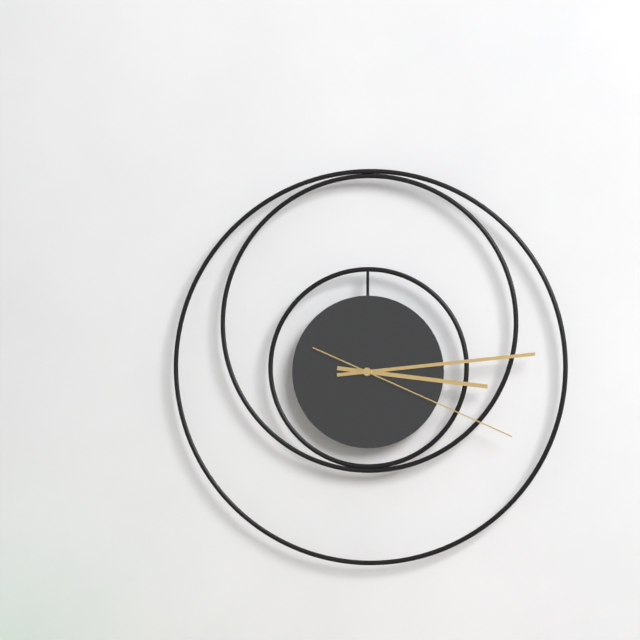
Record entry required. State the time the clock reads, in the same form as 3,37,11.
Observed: 3,14,19
